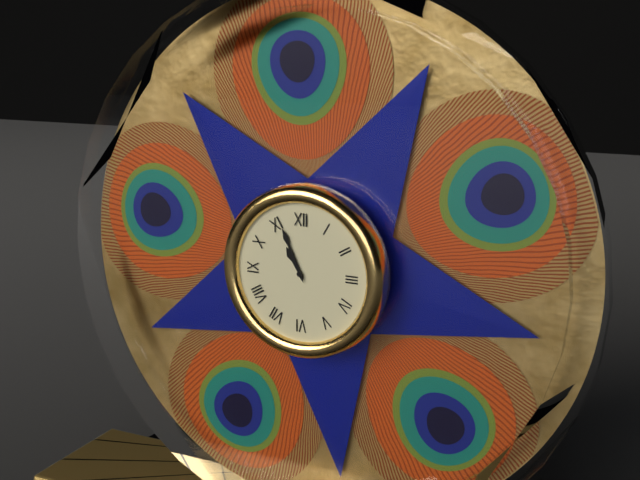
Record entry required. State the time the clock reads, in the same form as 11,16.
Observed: 10,56
